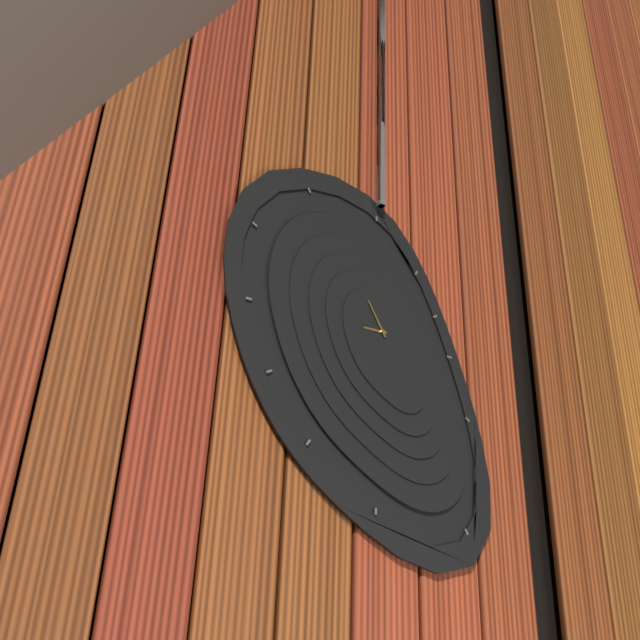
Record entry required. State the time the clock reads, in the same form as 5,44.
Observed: 8,55
